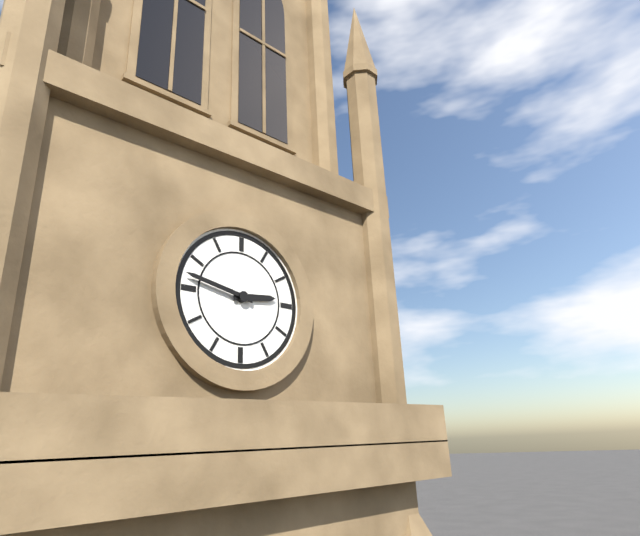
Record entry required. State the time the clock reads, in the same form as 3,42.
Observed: 2,47
